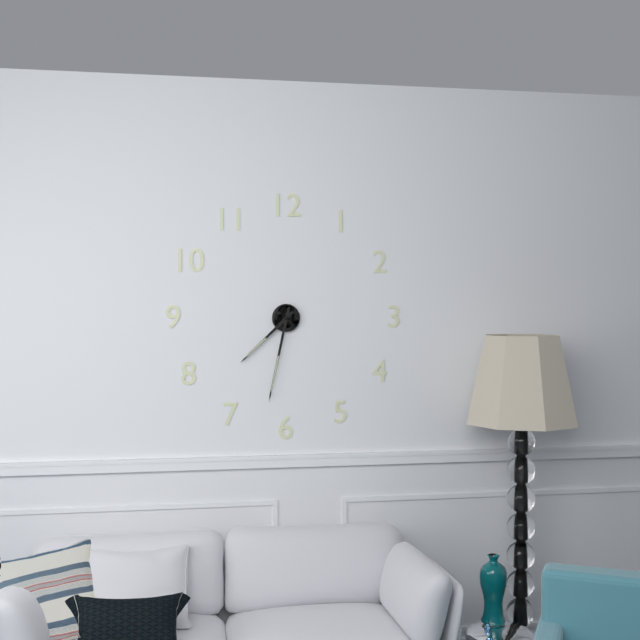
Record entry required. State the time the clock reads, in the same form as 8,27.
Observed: 7,32
